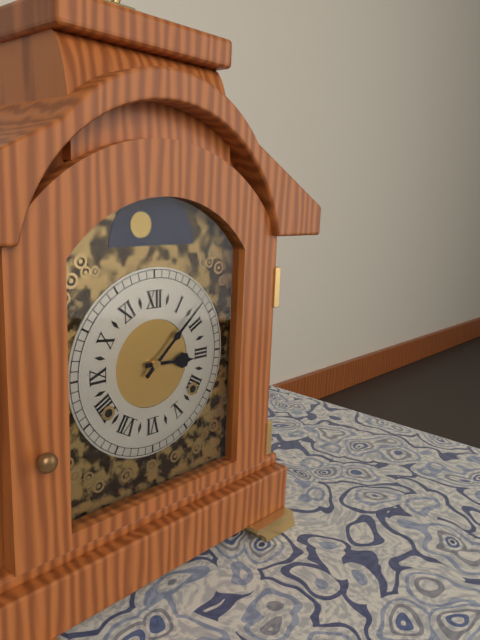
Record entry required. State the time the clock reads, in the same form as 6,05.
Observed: 3,08
